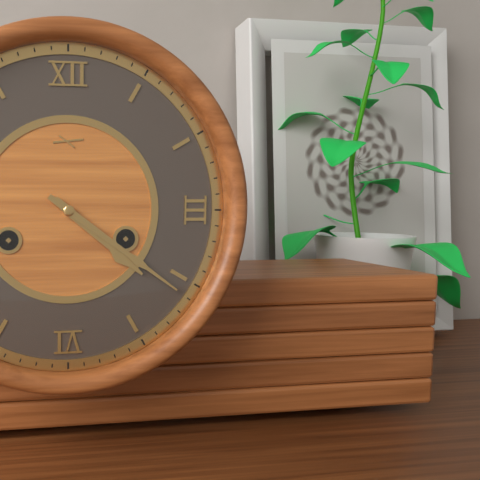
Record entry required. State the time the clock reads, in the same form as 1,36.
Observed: 4,21
